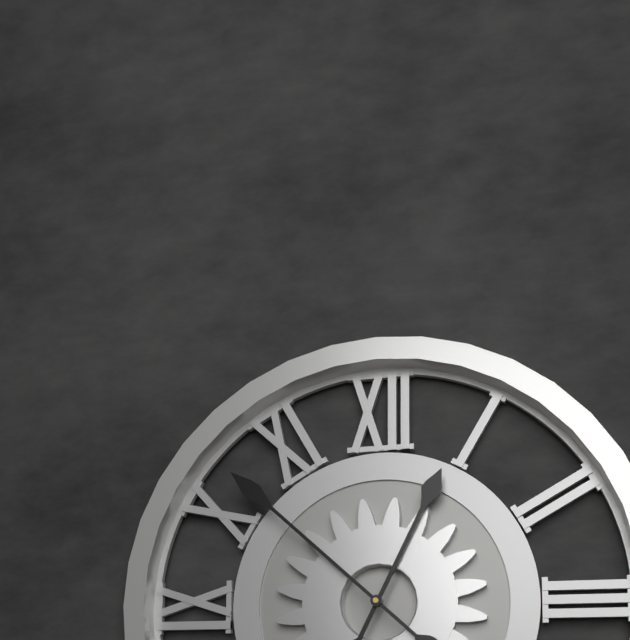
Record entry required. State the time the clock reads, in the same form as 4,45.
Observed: 12,52
